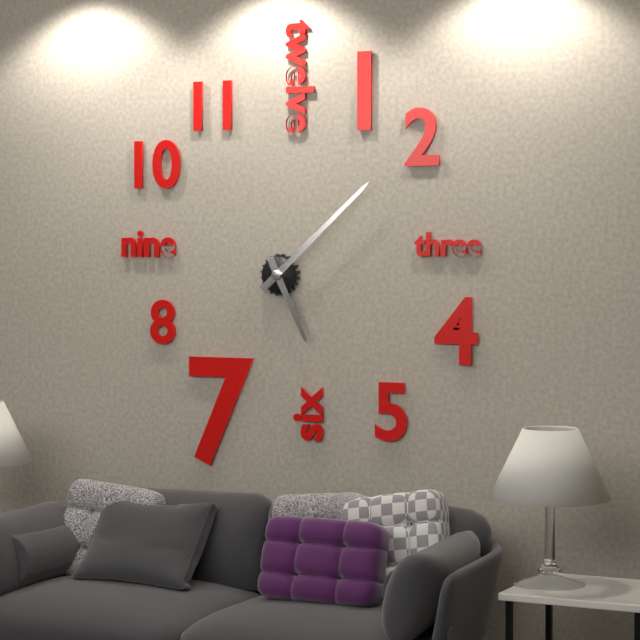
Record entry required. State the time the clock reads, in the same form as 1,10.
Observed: 5,08
